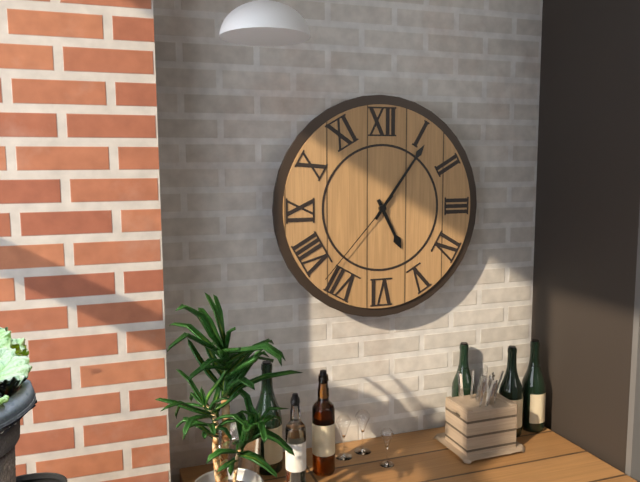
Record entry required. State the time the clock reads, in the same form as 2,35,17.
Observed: 5,06,37
